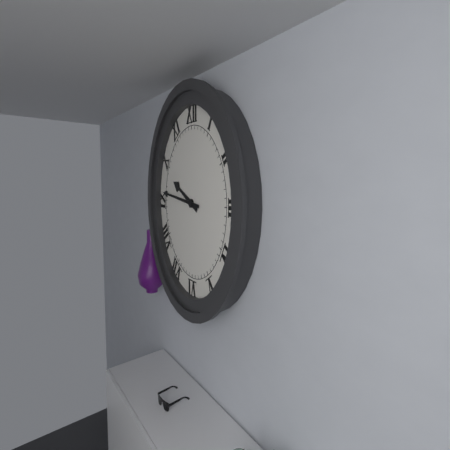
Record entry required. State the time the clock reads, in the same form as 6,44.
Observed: 9,46
